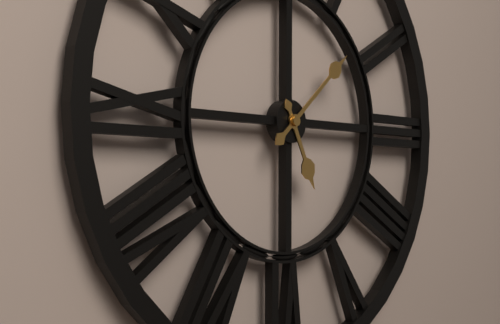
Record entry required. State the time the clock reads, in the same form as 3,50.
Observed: 5,08
